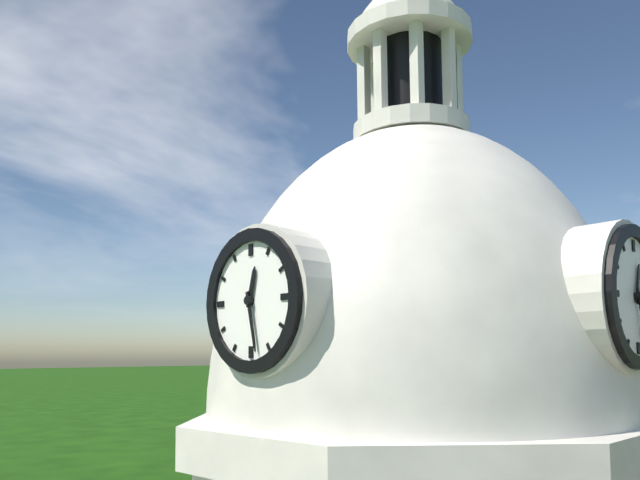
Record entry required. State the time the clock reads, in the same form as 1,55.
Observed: 12,28
